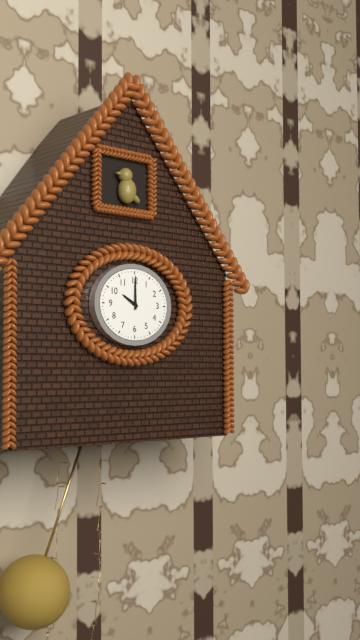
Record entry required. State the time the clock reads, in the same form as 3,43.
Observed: 10,00
